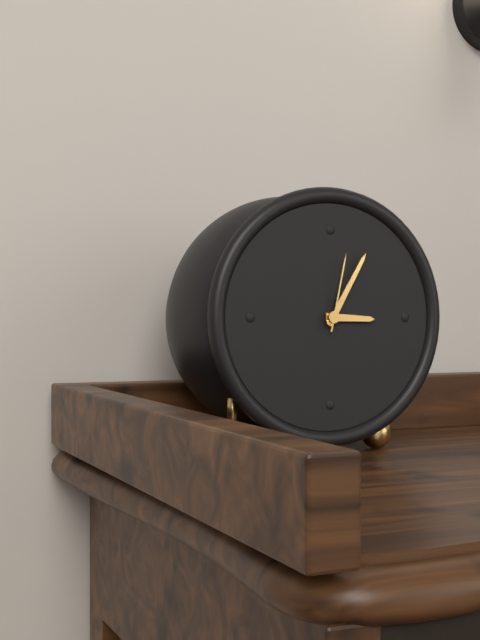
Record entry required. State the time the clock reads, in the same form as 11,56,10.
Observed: 3,05,02
